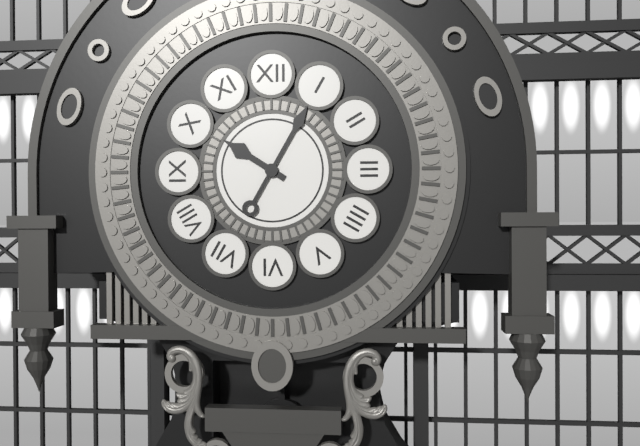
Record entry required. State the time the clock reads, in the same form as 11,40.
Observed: 10,05
